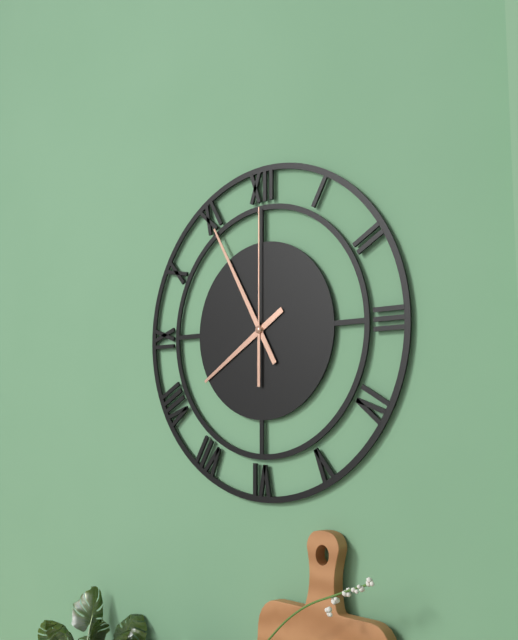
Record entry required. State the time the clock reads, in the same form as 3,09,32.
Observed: 7,55,00
